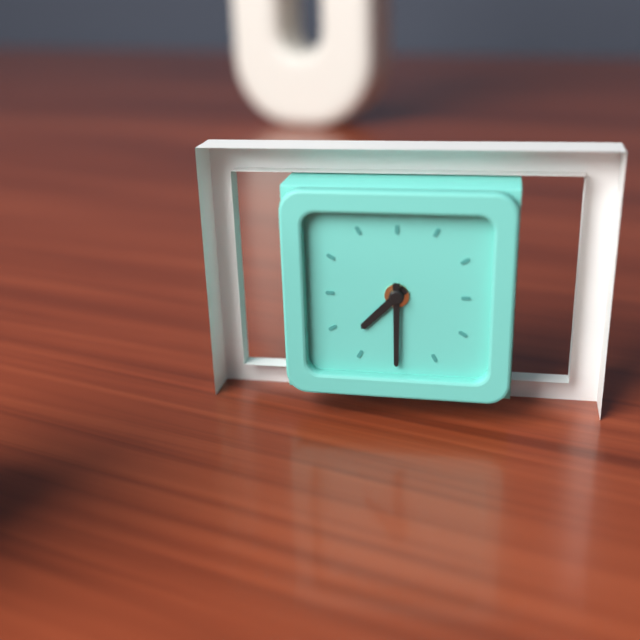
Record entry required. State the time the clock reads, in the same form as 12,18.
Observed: 7,30
